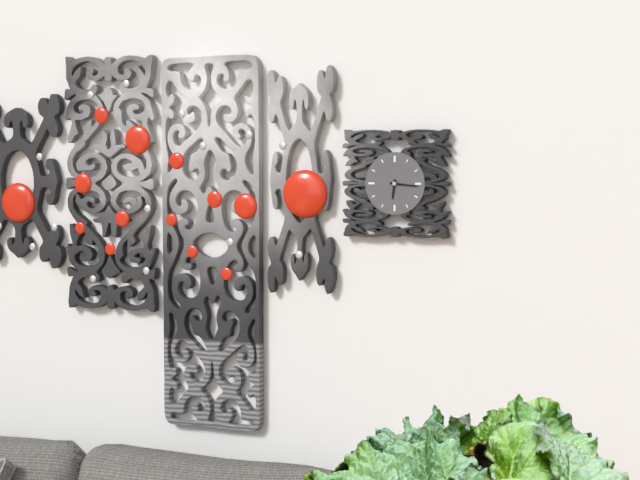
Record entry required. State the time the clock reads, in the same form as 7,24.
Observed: 6,16
